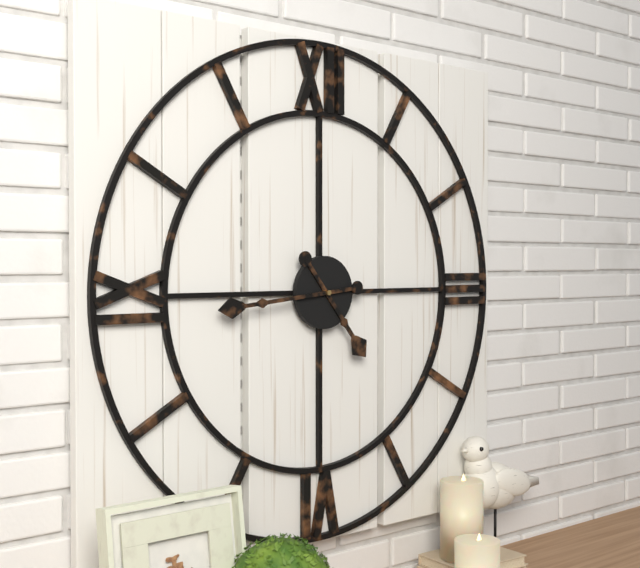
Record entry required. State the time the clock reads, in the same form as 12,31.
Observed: 4,44
